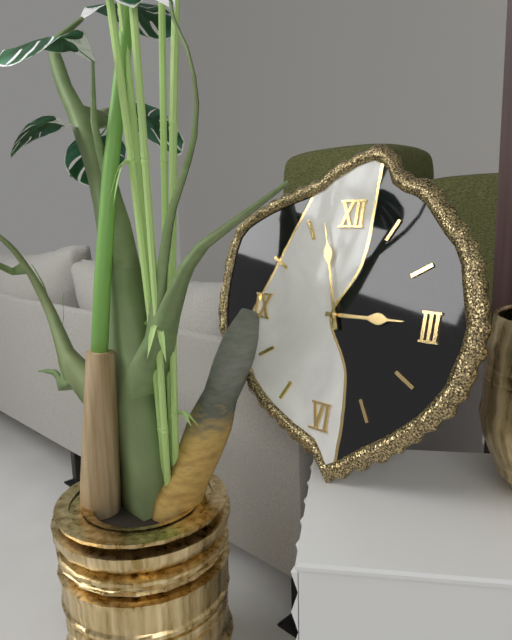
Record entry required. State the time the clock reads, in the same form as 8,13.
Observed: 2,57
